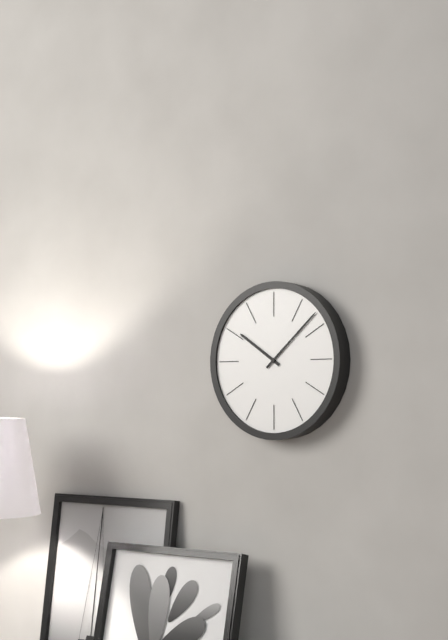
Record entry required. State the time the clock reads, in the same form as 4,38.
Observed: 10,08
